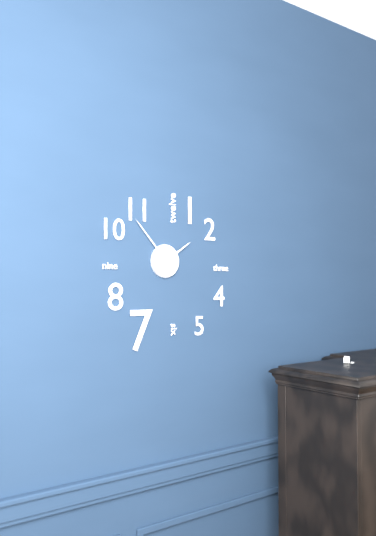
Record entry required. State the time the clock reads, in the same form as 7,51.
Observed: 1,53
